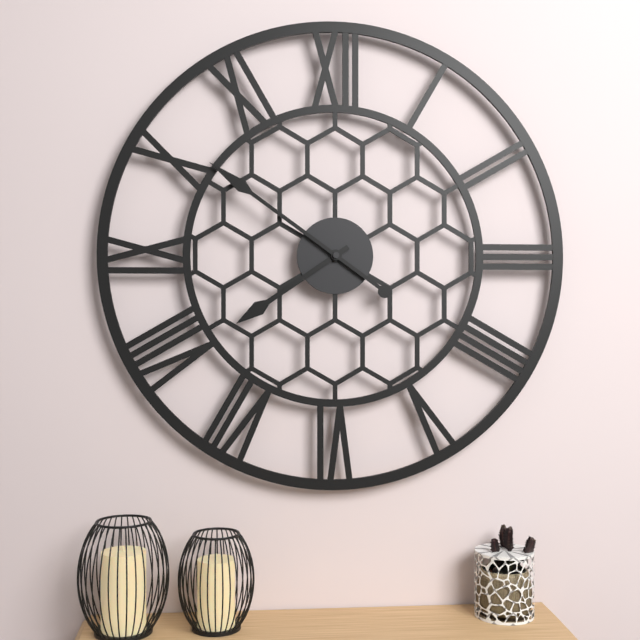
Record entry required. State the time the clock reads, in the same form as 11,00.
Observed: 7,51
